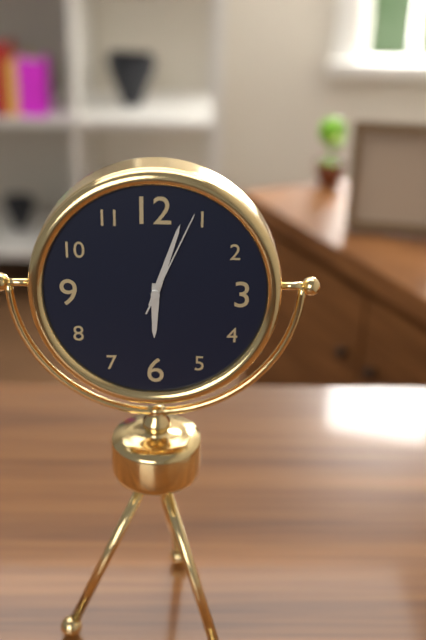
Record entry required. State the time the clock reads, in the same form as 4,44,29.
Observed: 6,03,04
